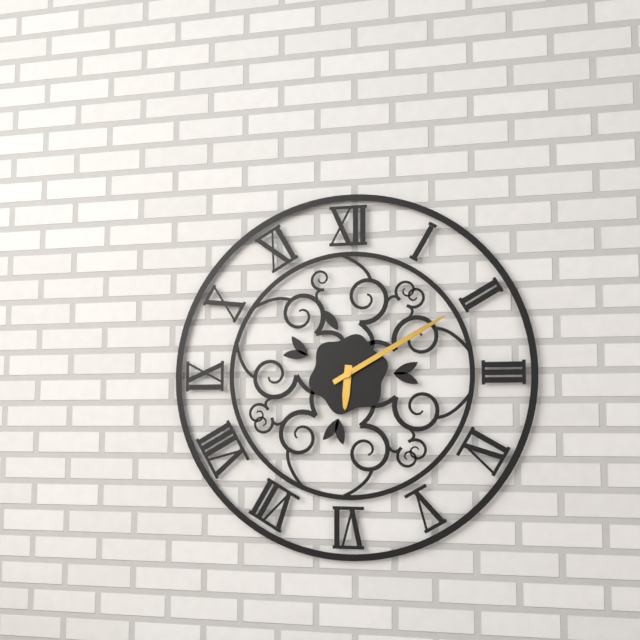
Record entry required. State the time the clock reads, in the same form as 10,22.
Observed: 6,10
